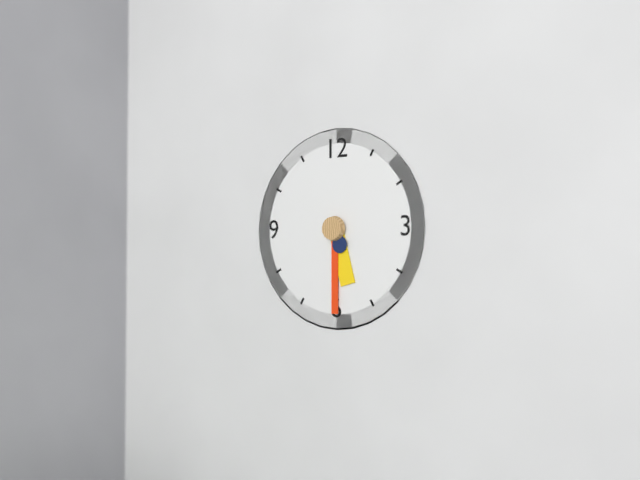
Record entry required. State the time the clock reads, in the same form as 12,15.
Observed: 5,30
